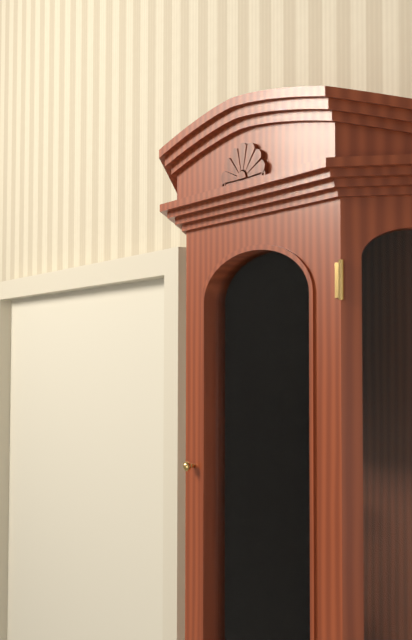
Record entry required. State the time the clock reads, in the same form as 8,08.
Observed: 5,49
